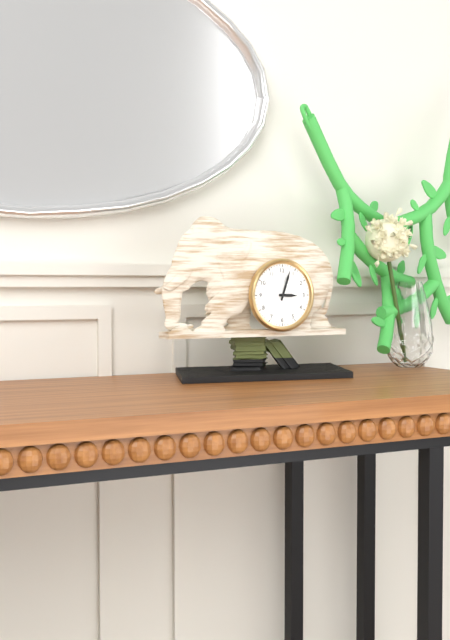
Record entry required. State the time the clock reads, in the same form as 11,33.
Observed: 3,03
